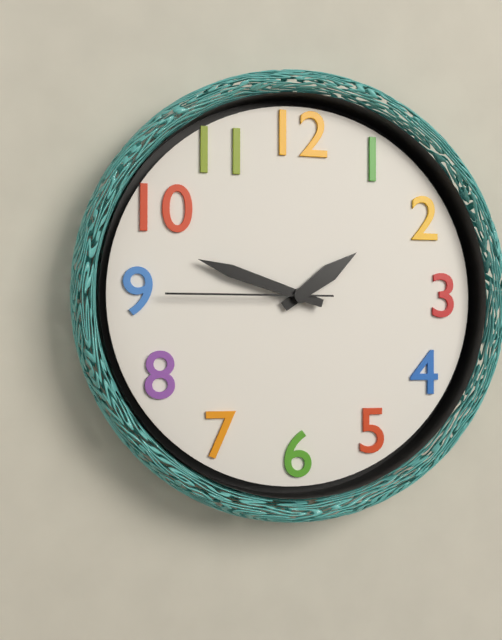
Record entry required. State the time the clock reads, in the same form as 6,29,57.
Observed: 1,48,45
